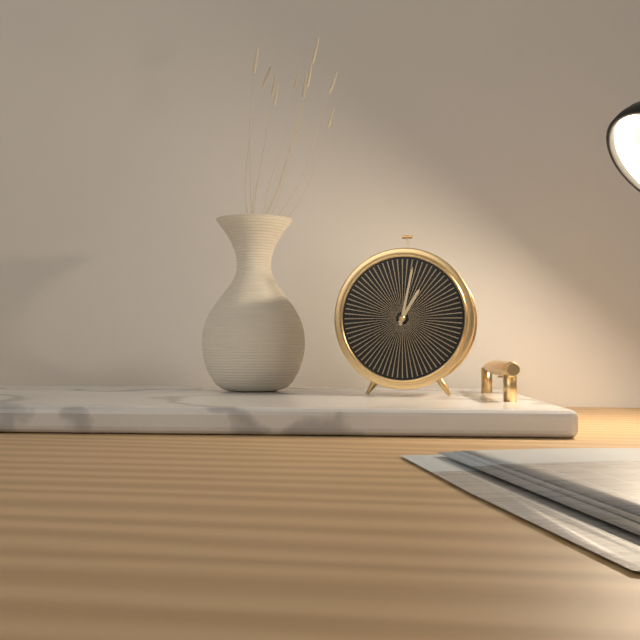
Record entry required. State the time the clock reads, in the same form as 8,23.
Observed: 1,02
